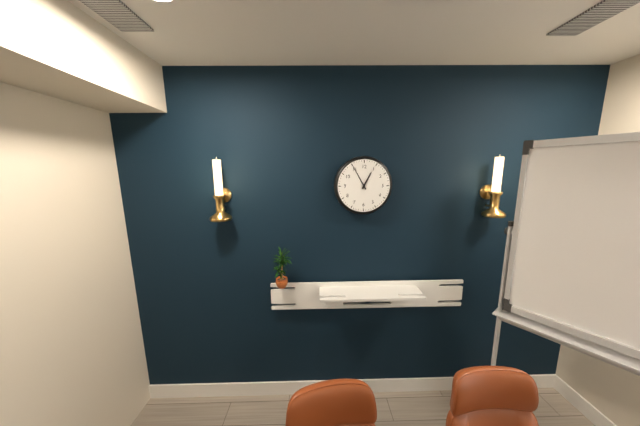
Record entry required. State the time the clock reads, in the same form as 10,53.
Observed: 12,55
